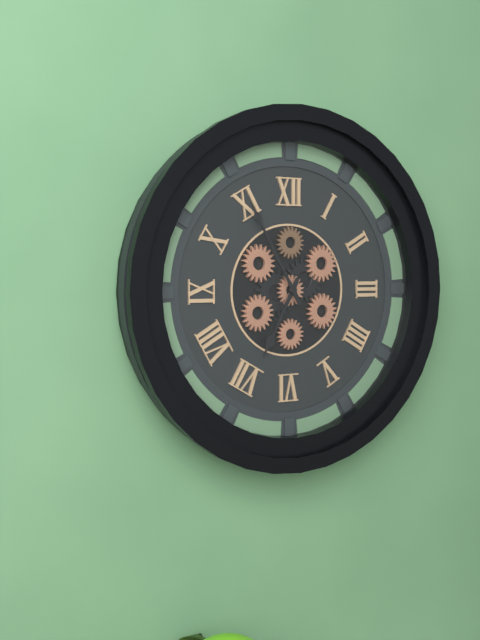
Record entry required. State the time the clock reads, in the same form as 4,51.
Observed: 6,55
